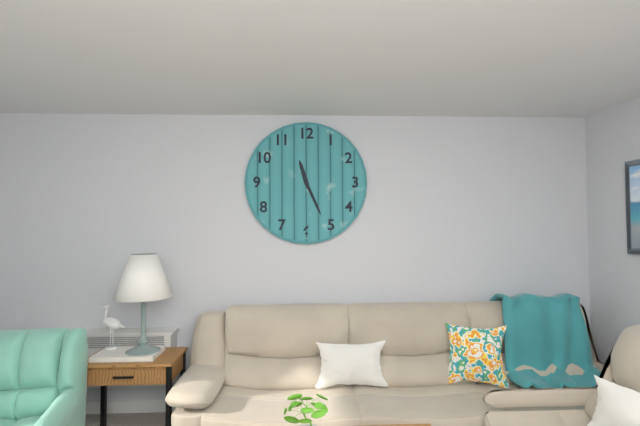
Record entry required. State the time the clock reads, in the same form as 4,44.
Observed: 11,26
